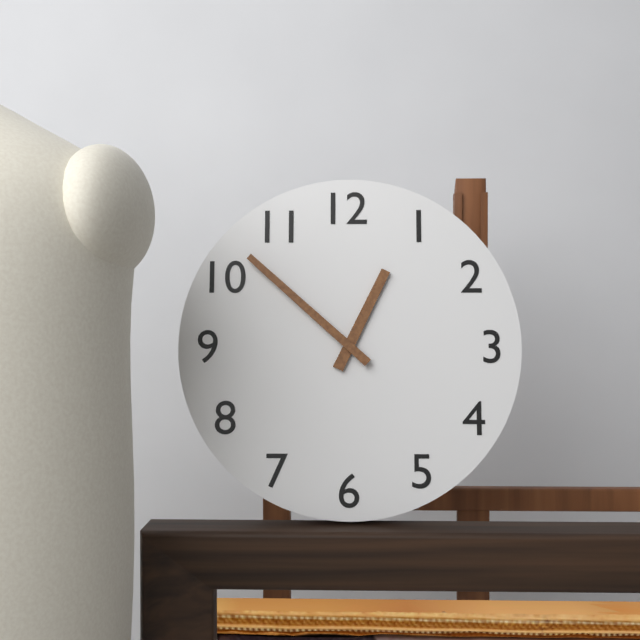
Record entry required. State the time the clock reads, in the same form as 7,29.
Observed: 12,52
